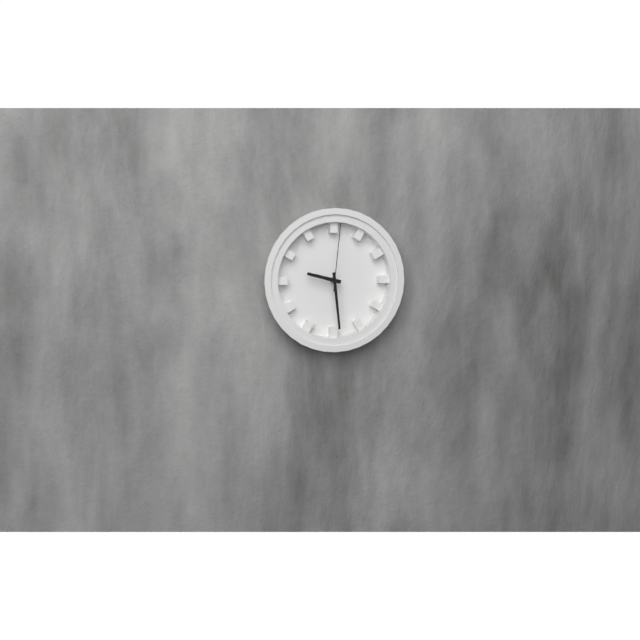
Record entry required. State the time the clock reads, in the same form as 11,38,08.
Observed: 9,29,01
